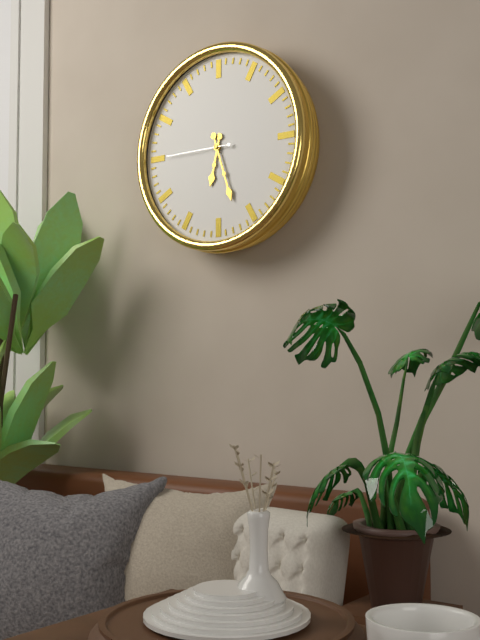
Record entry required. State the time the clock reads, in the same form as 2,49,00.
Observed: 6,27,45
